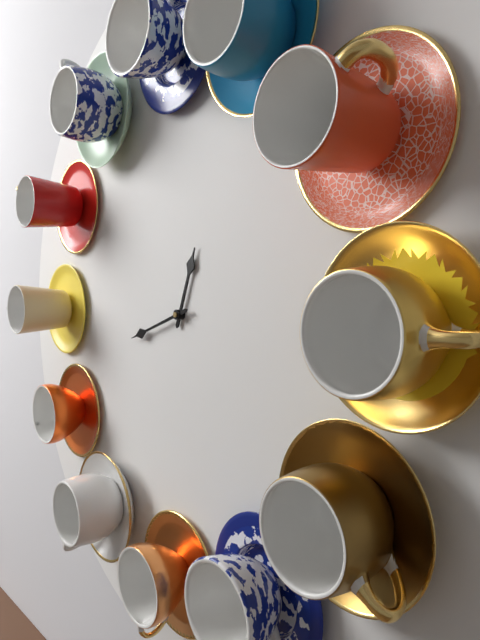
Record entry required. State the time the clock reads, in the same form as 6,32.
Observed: 12,42
